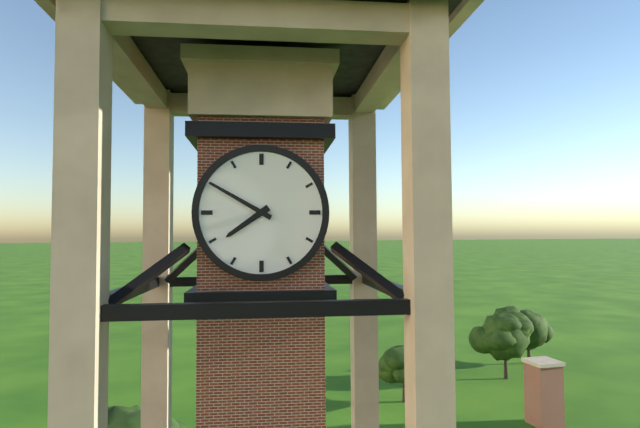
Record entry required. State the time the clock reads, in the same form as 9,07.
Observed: 7,50
